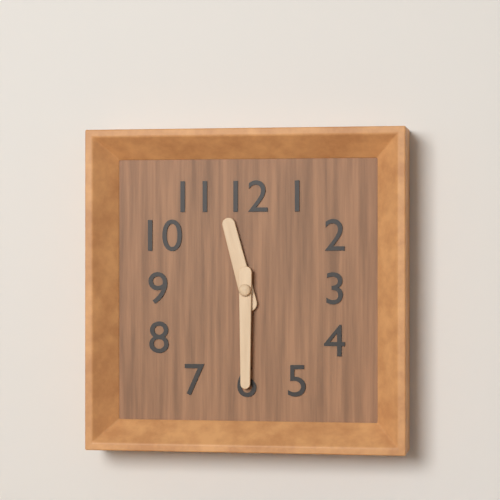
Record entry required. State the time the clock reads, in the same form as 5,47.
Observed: 11,30
